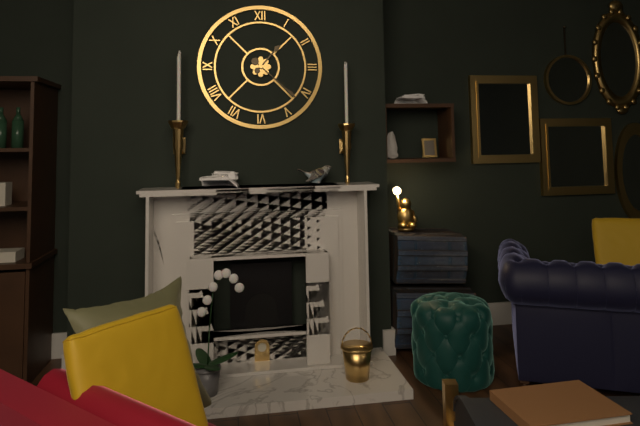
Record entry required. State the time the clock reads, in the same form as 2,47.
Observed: 1,22
